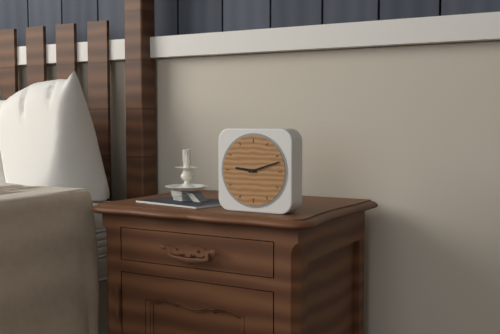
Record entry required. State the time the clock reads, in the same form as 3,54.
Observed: 9,12
